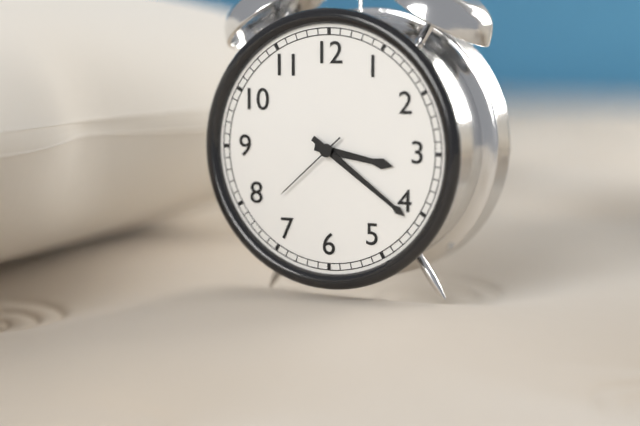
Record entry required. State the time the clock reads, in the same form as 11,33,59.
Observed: 3,21,38
